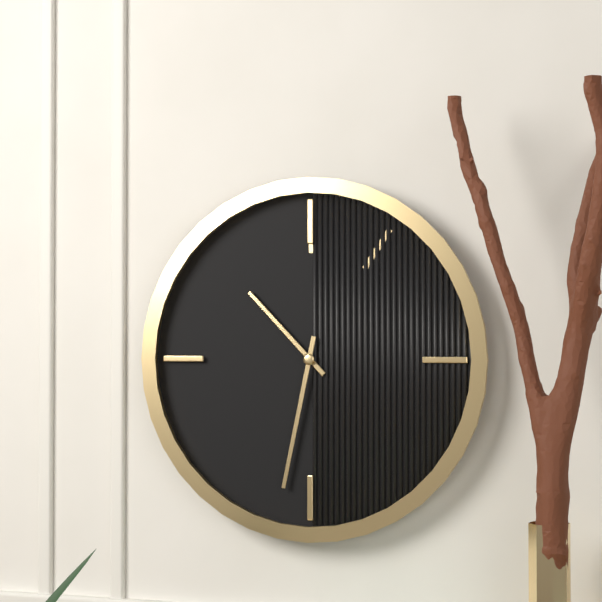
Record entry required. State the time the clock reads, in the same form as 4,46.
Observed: 10,32
